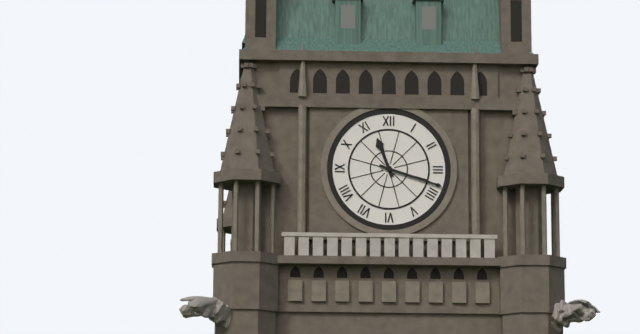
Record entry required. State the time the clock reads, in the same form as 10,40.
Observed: 11,18
